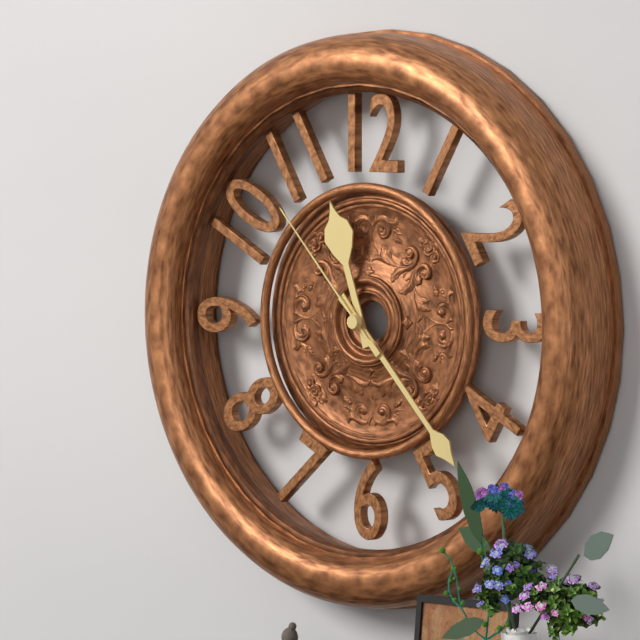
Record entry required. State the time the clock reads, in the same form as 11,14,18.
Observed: 11,23,53
